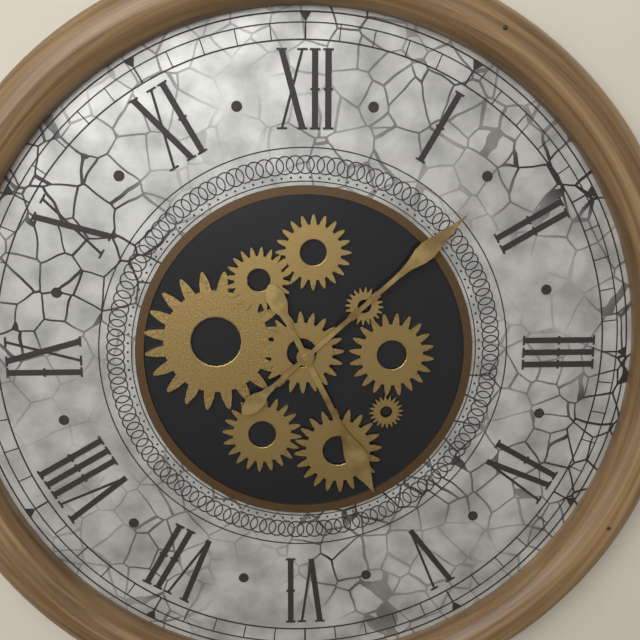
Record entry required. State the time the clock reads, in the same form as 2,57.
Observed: 5,08
